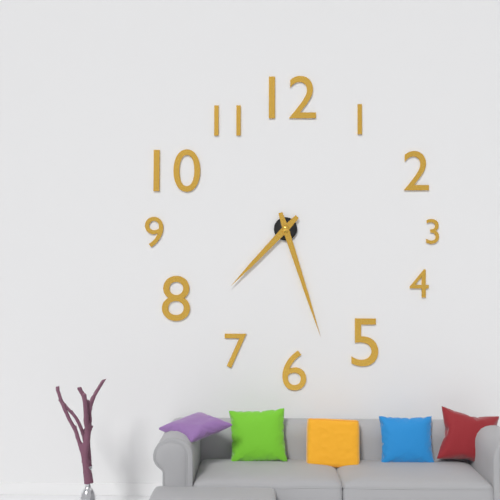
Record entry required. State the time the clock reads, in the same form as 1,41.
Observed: 7,27
